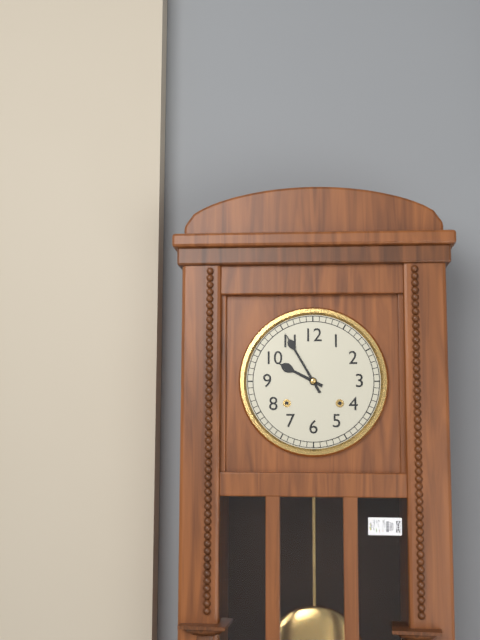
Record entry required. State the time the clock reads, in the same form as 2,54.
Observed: 9,55
